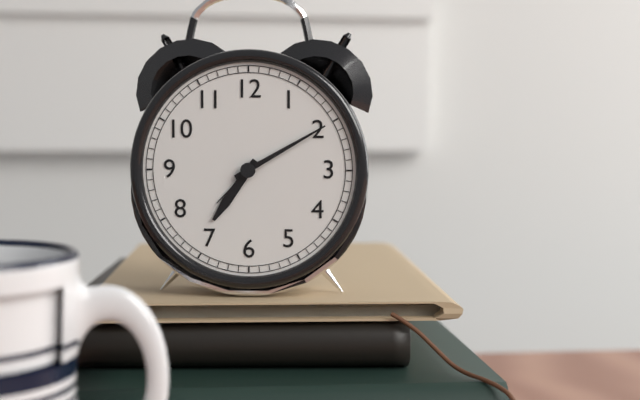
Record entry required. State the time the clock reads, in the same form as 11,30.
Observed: 7,10
